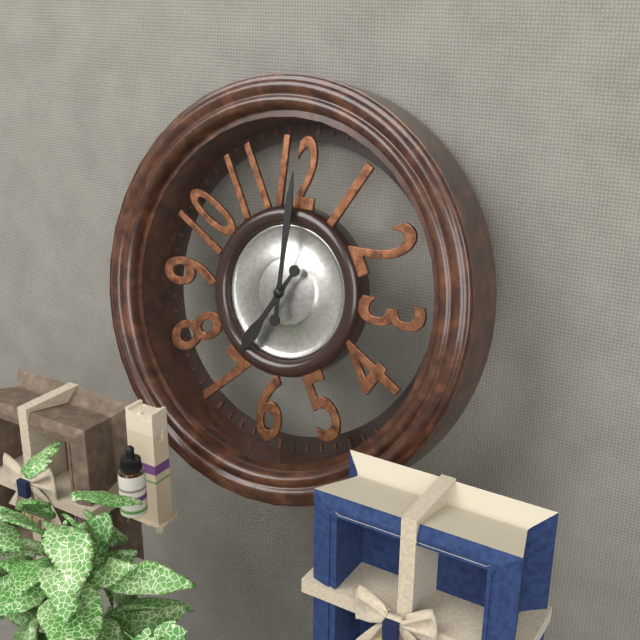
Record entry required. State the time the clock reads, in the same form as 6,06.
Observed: 7,00
